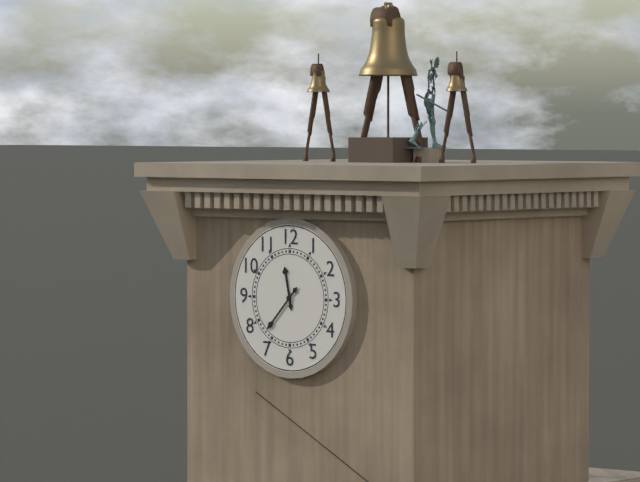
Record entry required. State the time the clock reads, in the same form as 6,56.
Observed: 11,37
